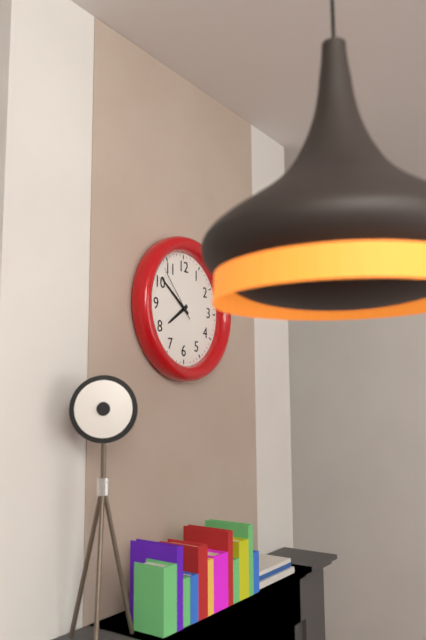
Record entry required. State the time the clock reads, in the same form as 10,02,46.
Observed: 7,51,53
